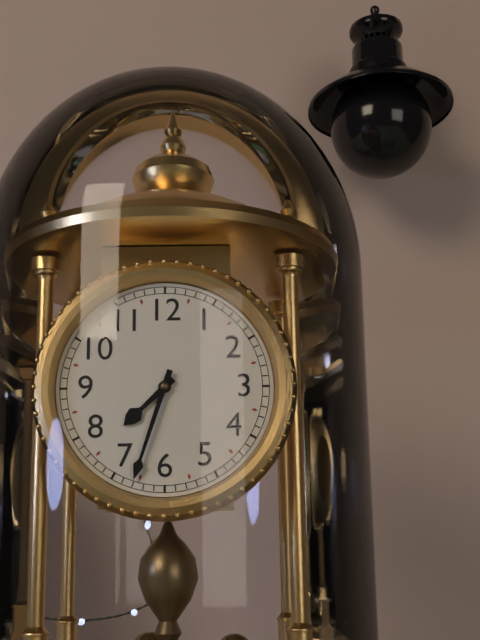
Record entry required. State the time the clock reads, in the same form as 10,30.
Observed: 7,33
